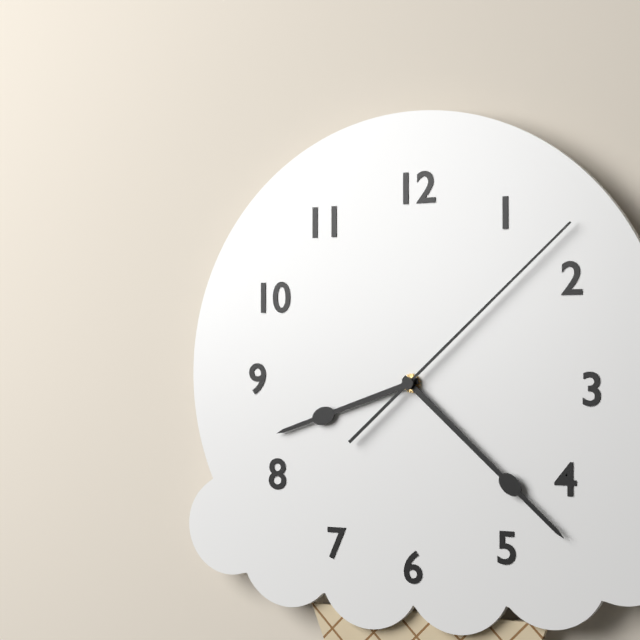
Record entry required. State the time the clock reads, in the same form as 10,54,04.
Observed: 8,22,08
